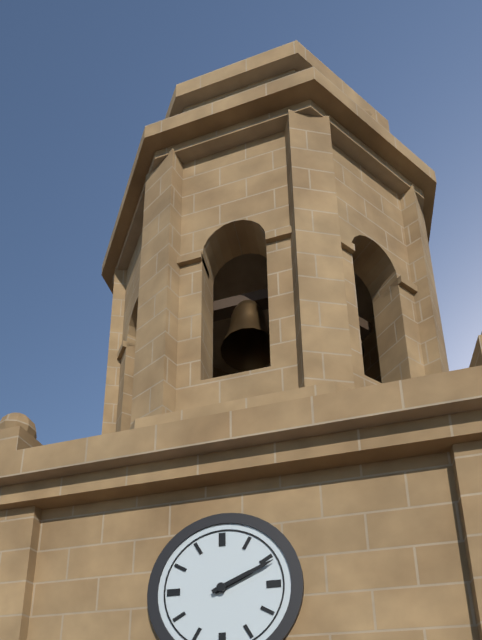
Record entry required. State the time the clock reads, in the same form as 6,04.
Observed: 2,11
